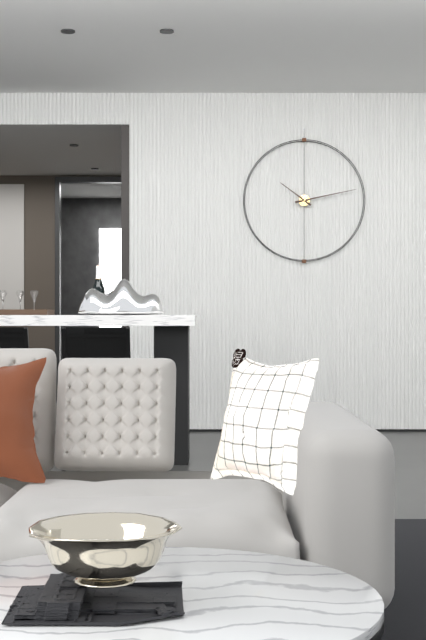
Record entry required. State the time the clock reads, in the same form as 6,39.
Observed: 10,13
